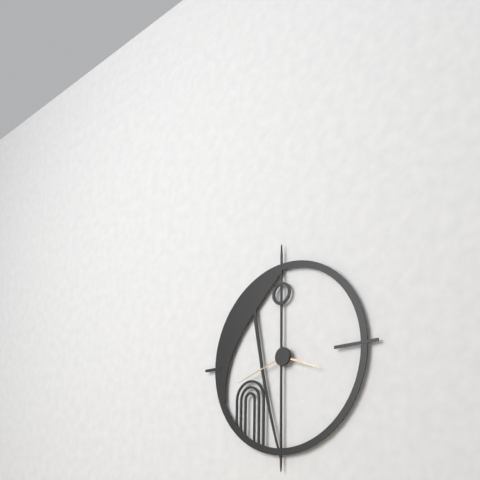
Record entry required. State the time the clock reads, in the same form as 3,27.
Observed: 3,42
